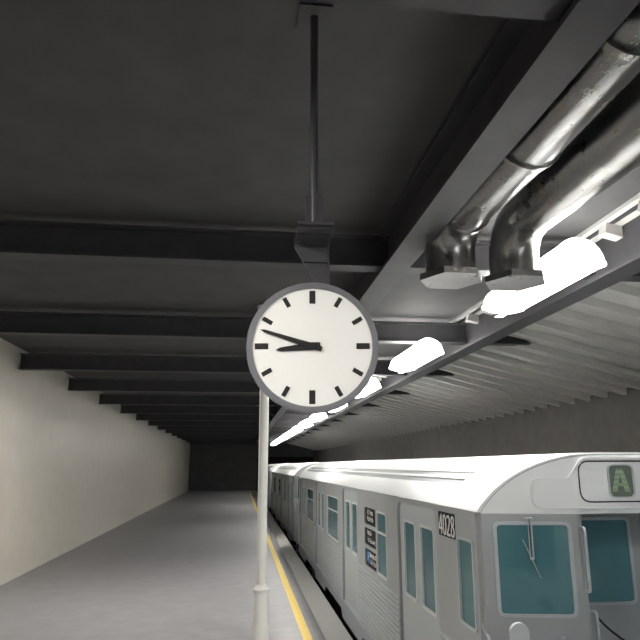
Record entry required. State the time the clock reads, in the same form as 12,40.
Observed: 8,48
